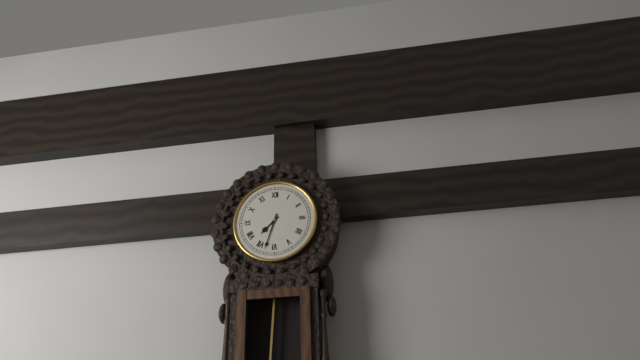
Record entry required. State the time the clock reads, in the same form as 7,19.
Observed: 7,33
